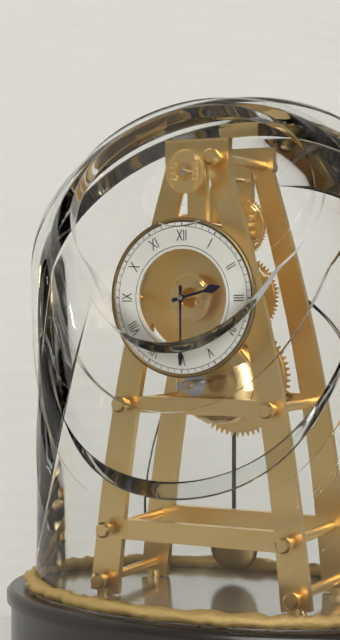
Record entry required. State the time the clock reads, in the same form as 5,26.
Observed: 2,30
